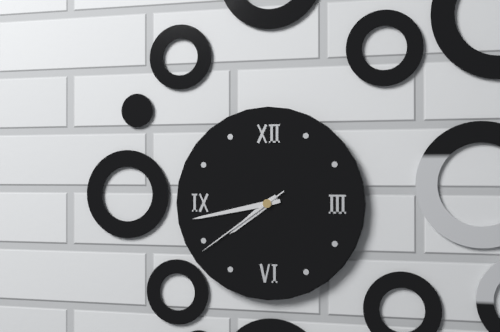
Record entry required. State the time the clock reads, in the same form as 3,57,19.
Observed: 7,43,39
